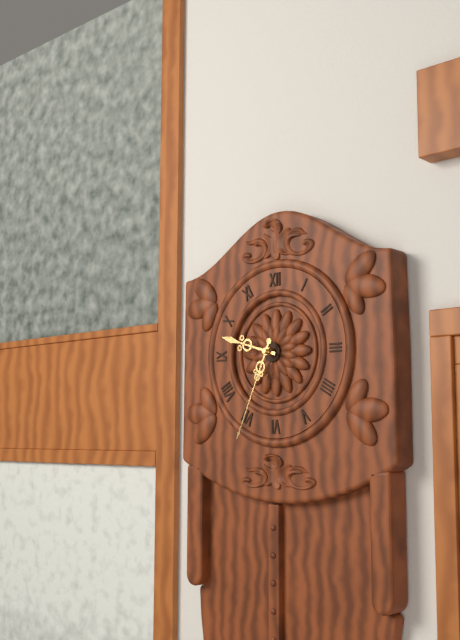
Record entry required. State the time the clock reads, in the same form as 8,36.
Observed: 9,34
